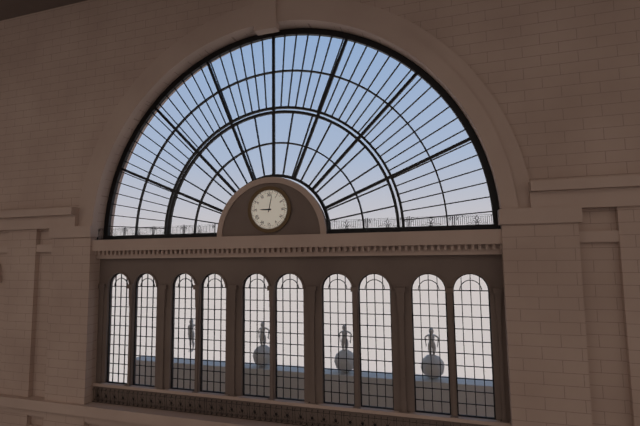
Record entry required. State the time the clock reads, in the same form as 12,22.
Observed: 9,02
